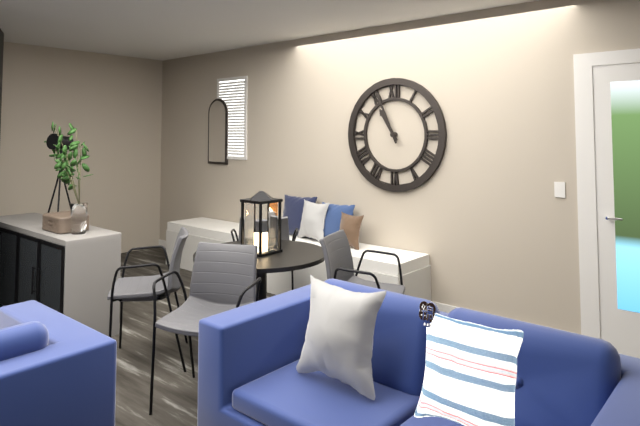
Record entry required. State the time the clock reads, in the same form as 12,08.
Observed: 10,56
